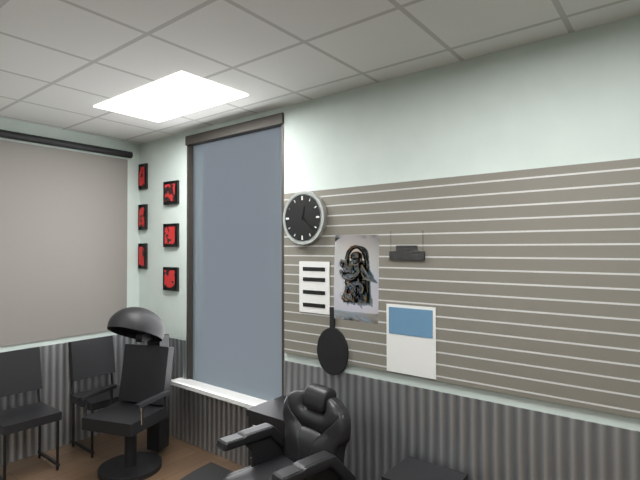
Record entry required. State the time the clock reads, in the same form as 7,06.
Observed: 12,22
